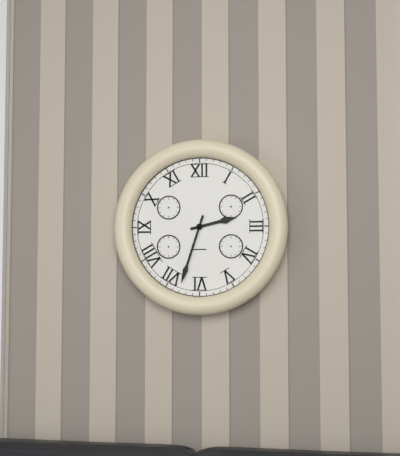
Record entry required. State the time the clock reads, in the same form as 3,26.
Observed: 2,33
